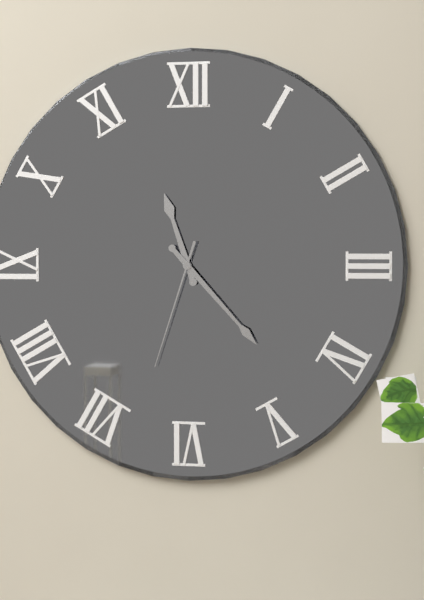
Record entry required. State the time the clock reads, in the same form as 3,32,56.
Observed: 11,23,33
